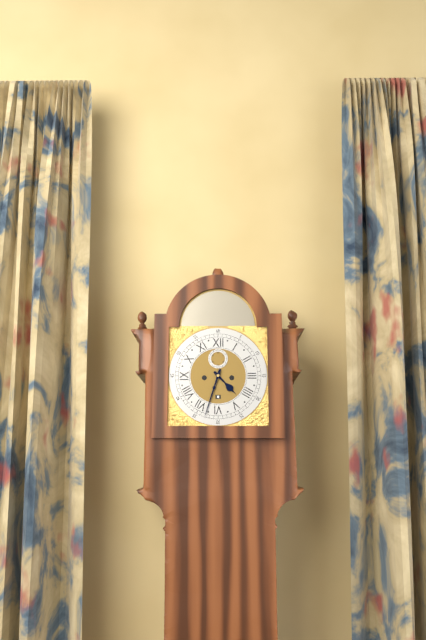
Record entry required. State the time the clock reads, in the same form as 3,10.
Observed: 4,33
